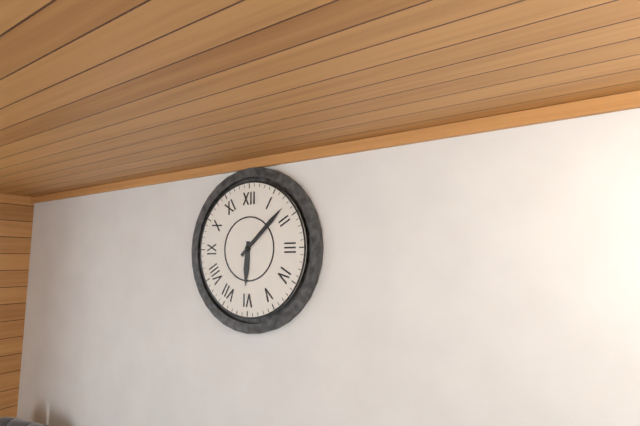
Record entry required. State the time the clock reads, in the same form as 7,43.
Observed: 6,08
